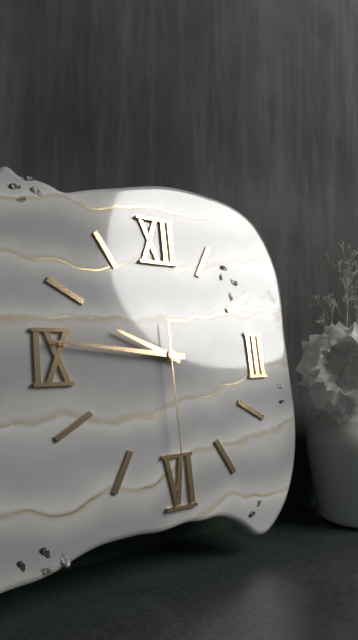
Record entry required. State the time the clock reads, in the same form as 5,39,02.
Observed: 9,46,30
